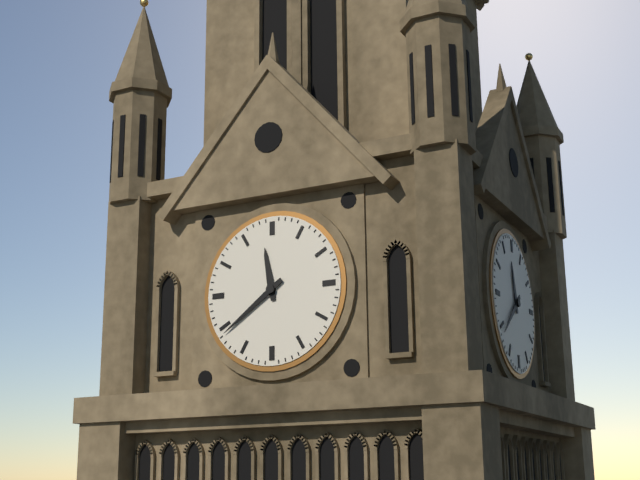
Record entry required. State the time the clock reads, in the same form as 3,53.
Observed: 11,39
